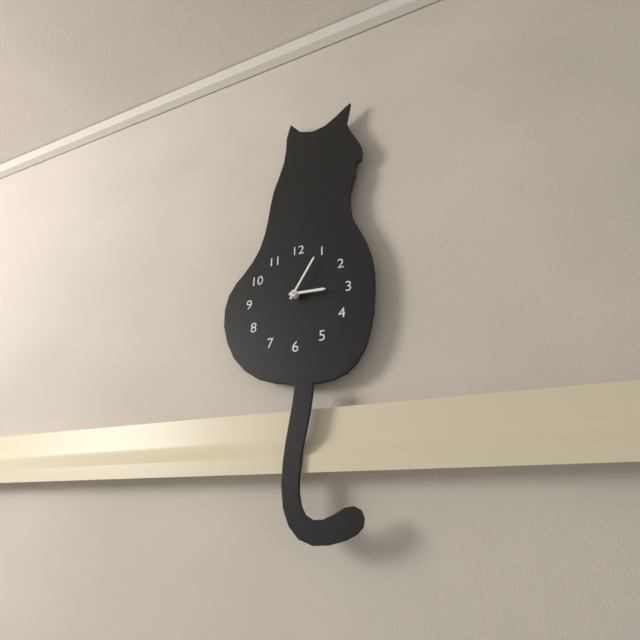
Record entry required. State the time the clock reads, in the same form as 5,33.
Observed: 3,05
